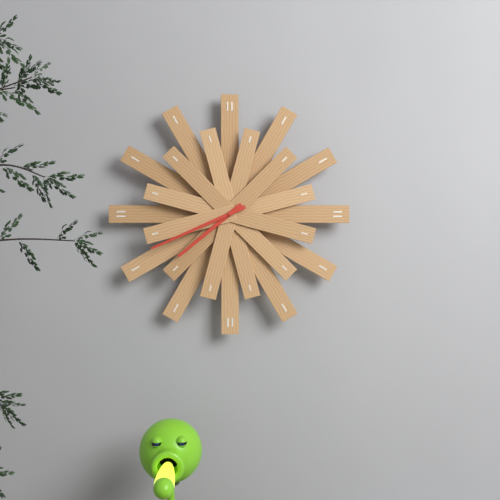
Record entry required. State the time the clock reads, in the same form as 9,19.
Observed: 7,41
